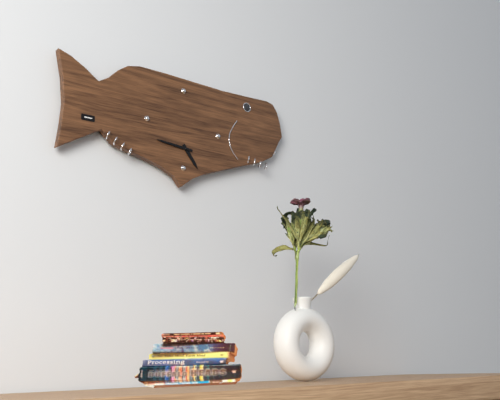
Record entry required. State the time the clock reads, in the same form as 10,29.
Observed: 4,46
